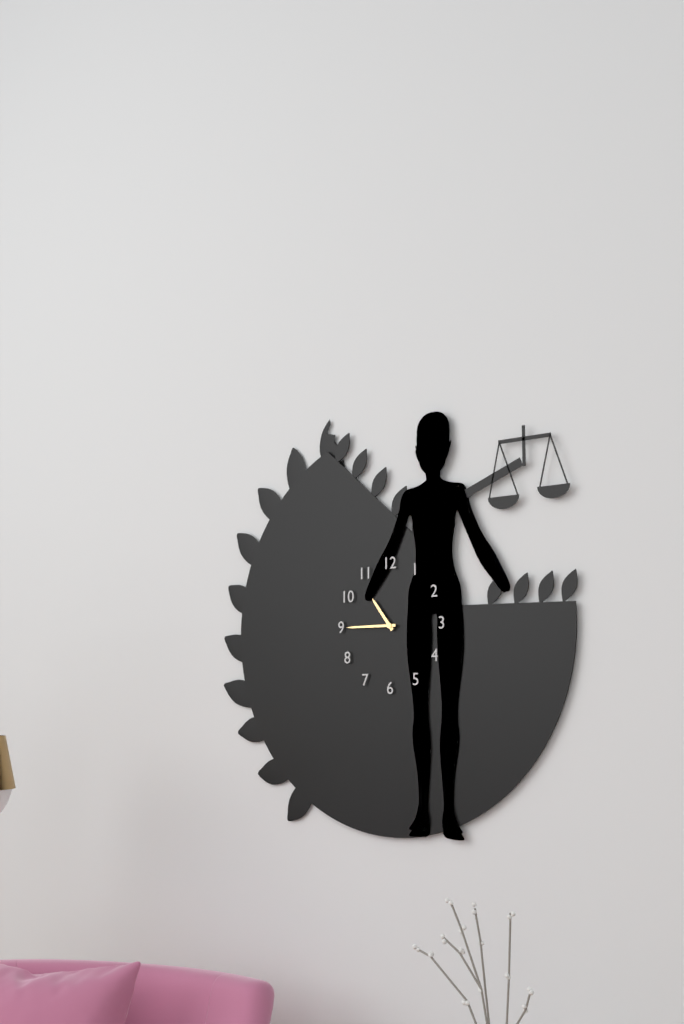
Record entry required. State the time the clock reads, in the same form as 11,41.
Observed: 10,45
